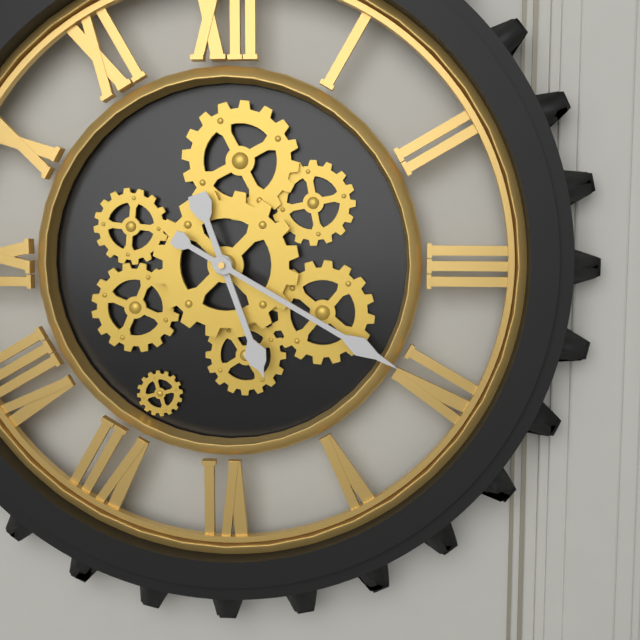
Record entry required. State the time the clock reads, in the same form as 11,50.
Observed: 5,20
